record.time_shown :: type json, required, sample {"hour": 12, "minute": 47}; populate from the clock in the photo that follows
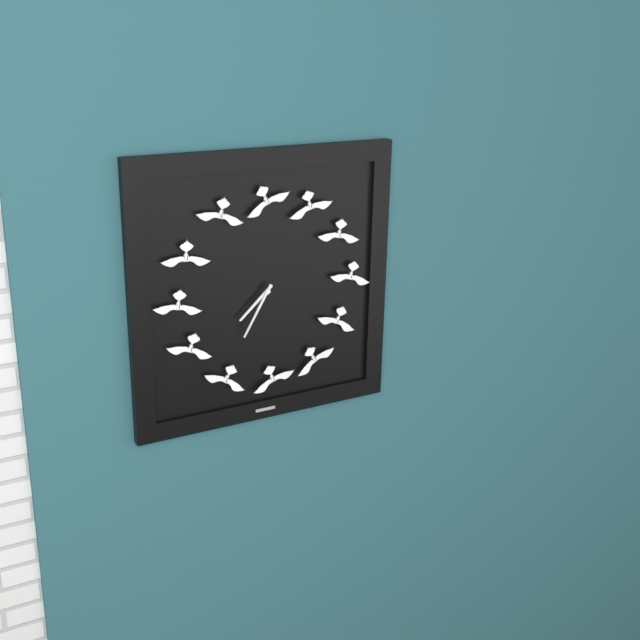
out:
{"hour": 7, "minute": 35}
